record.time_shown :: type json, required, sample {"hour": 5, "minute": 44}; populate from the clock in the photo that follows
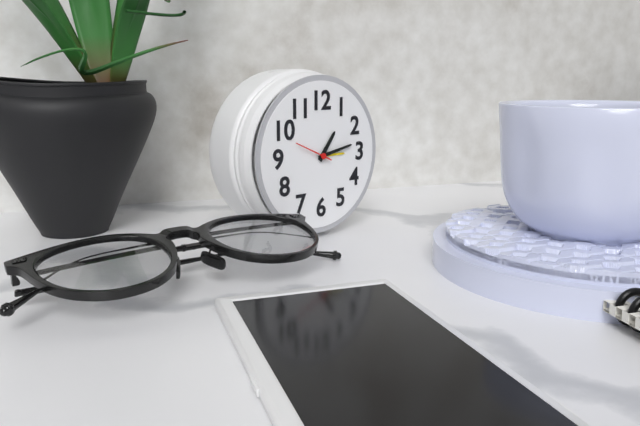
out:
{"hour": 1, "minute": 13}
